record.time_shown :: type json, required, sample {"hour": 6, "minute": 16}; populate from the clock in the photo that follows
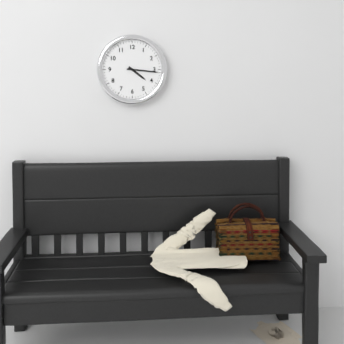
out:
{"hour": 4, "minute": 16}
